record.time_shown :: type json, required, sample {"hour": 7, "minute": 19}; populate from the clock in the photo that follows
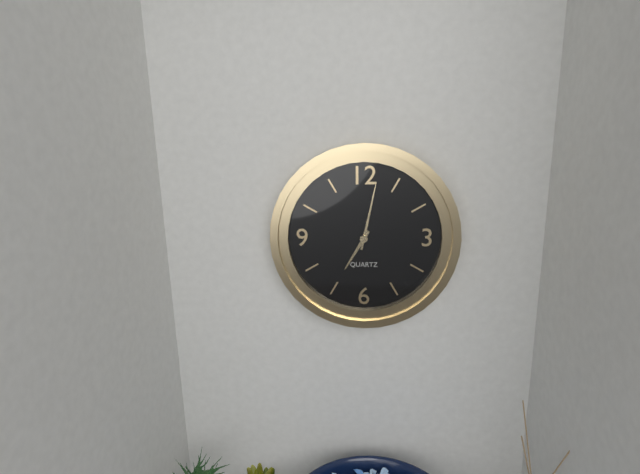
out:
{"hour": 7, "minute": 2}
